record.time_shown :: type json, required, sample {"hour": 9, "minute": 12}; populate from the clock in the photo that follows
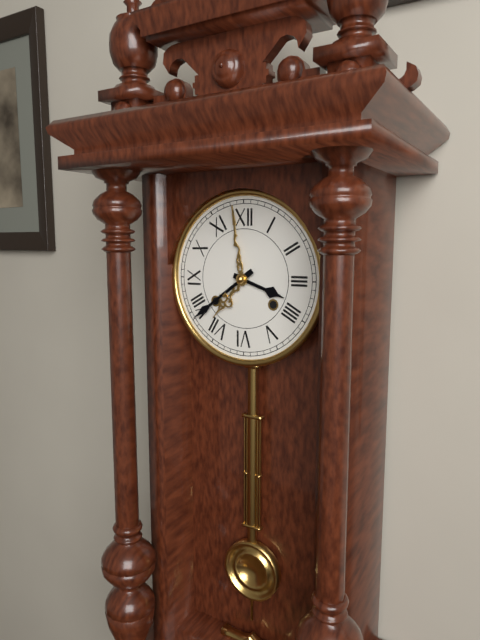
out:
{"hour": 3, "minute": 39}
